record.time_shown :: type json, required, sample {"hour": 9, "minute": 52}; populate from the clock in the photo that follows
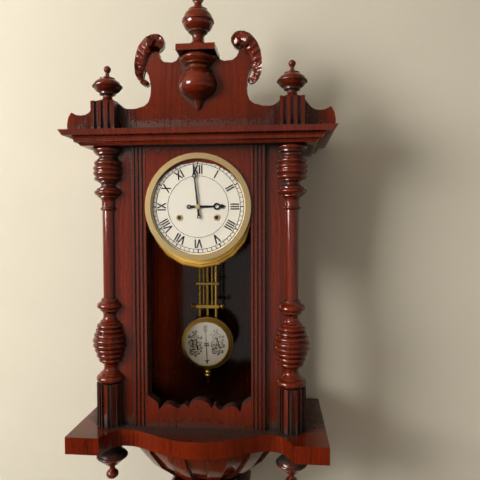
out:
{"hour": 2, "minute": 59}
